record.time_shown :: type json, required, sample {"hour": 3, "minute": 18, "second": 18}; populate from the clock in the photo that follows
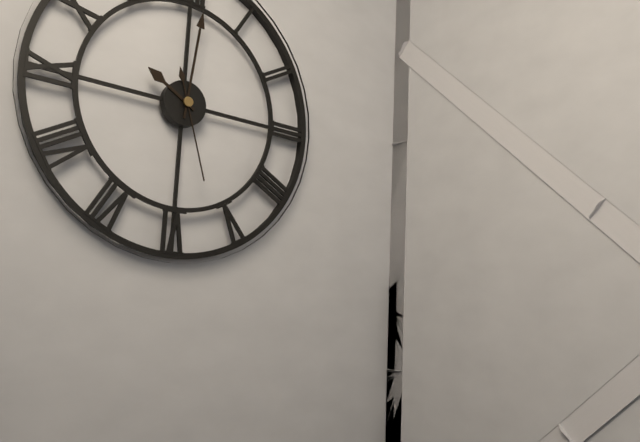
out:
{"hour": 10, "minute": 1, "second": 27}
